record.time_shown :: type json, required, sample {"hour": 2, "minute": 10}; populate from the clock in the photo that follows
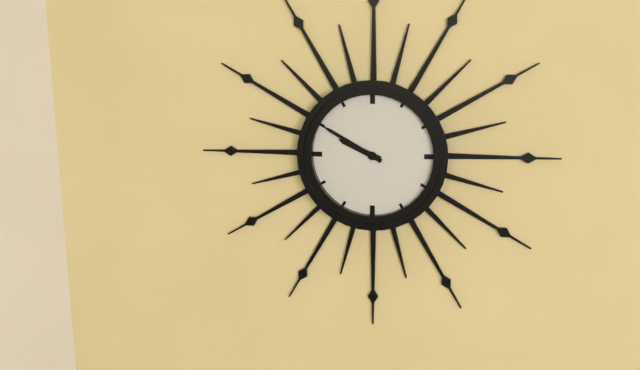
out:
{"hour": 9, "minute": 50}
